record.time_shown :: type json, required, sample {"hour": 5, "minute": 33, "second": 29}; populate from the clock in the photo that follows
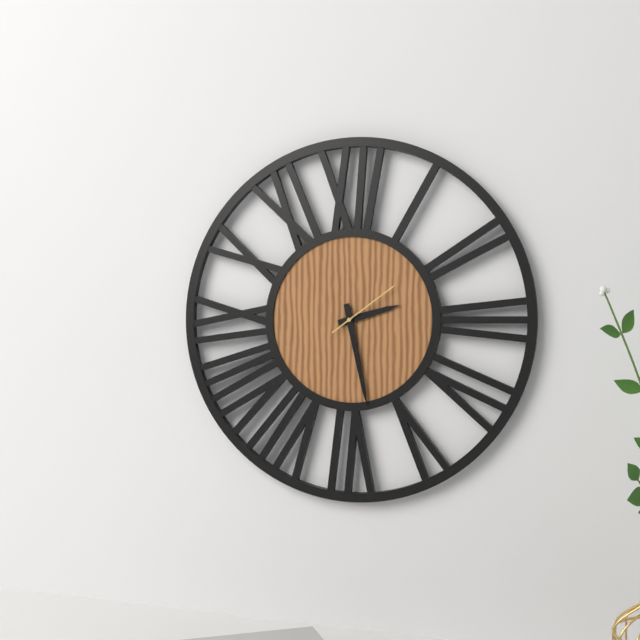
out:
{"hour": 2, "minute": 28, "second": 9}
